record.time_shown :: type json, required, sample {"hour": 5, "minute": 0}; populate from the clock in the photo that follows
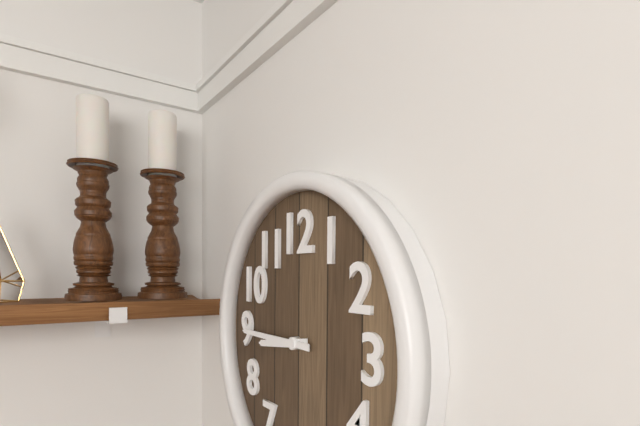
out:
{"hour": 8, "minute": 45}
